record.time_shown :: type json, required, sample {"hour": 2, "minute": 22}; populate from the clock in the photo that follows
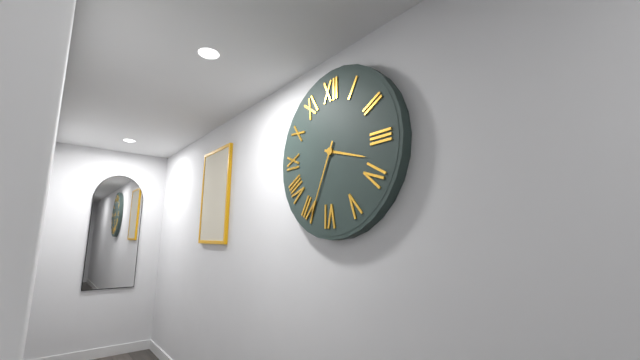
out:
{"hour": 3, "minute": 34}
